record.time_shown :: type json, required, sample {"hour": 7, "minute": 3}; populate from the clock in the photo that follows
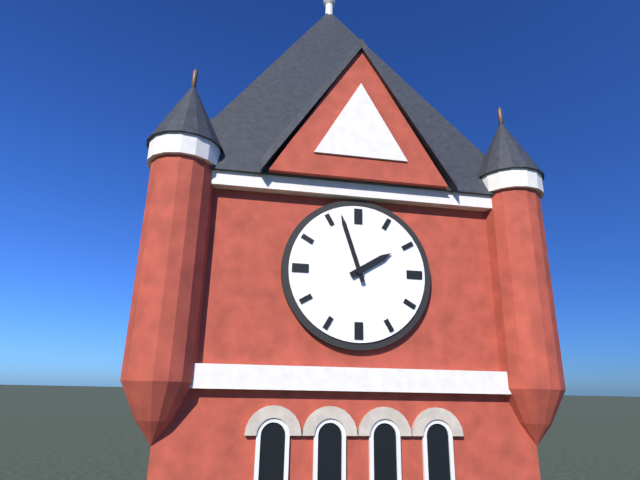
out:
{"hour": 1, "minute": 57}
